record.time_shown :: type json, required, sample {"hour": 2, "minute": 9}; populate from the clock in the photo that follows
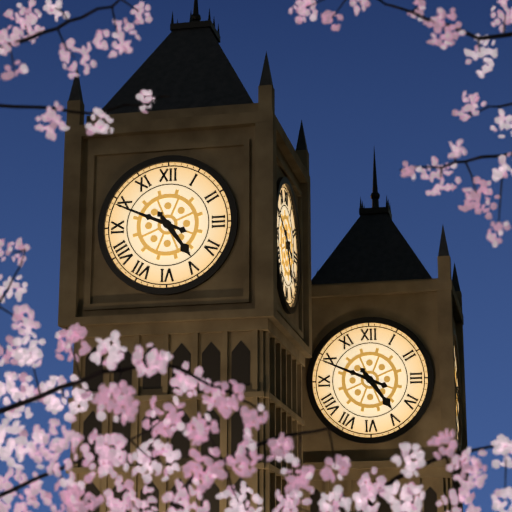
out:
{"hour": 4, "minute": 49}
